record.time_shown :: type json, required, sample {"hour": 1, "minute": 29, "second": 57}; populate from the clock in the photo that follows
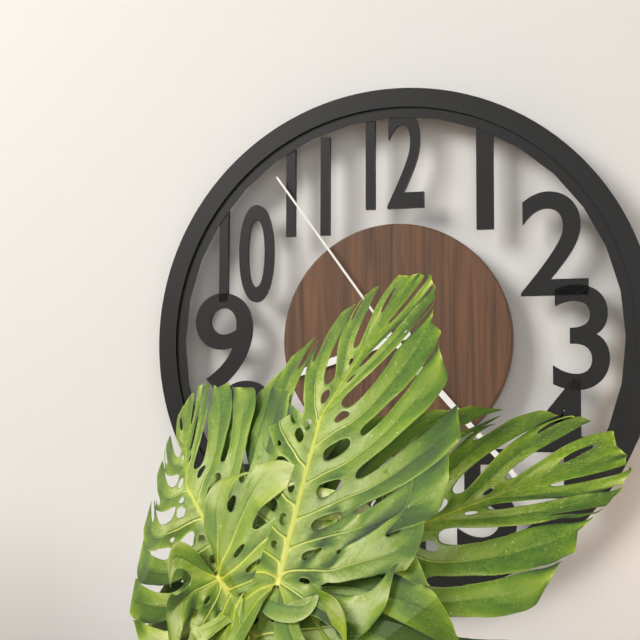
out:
{"hour": 8, "minute": 23, "second": 54}
